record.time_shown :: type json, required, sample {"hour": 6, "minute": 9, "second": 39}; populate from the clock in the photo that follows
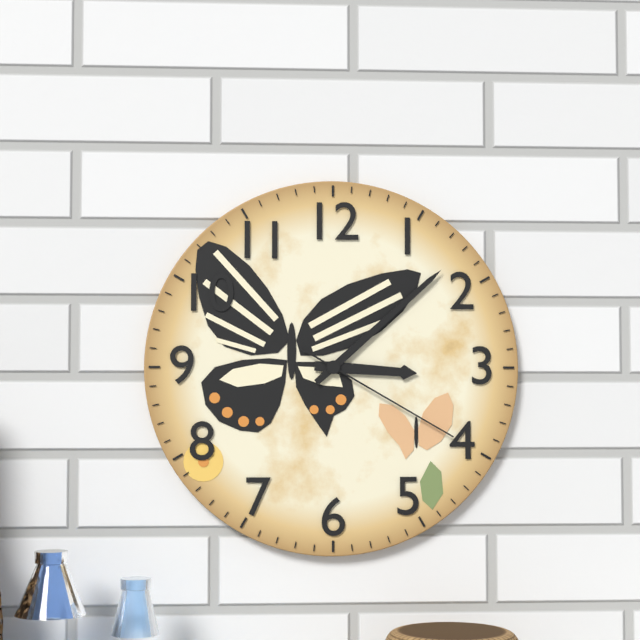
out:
{"hour": 3, "minute": 8, "second": 20}
